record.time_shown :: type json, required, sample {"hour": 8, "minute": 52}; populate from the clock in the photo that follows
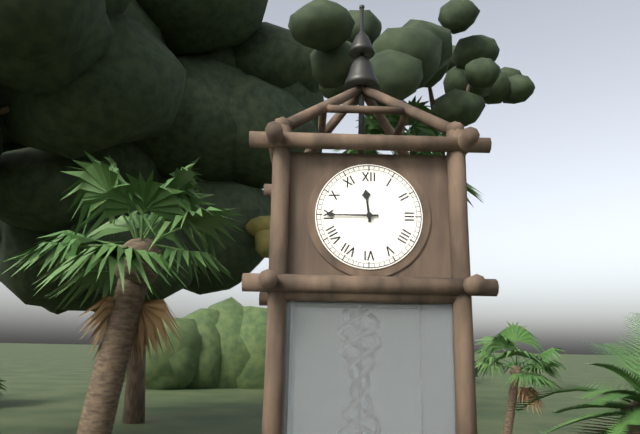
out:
{"hour": 11, "minute": 45}
